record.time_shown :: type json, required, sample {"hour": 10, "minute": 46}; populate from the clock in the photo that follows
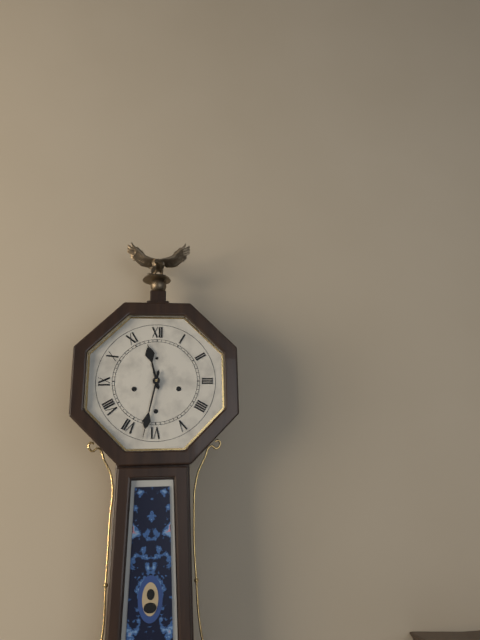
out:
{"hour": 11, "minute": 32}
